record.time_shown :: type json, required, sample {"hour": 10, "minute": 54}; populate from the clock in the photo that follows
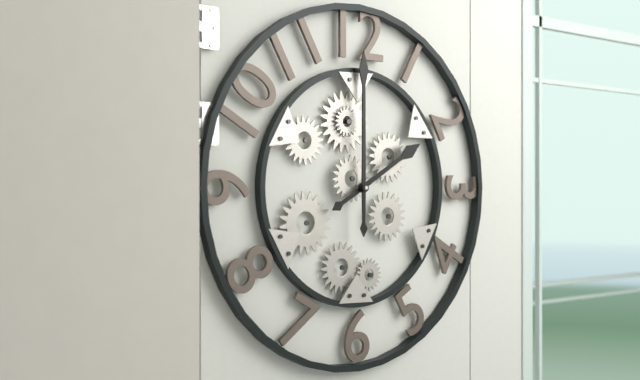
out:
{"hour": 2, "minute": 0}
